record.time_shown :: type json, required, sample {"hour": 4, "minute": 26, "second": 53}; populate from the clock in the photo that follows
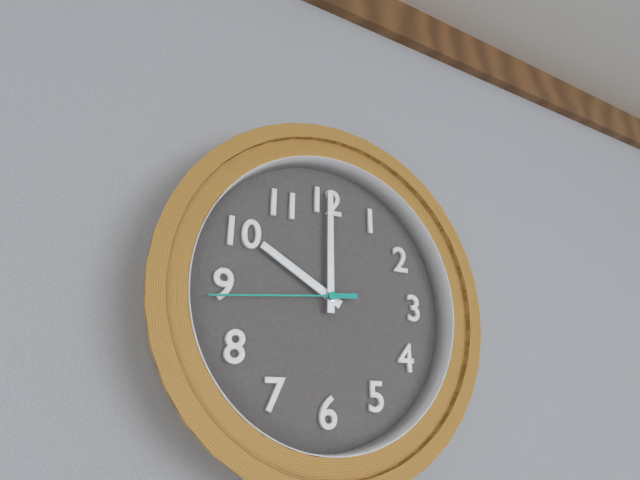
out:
{"hour": 10, "minute": 0, "second": 44}
